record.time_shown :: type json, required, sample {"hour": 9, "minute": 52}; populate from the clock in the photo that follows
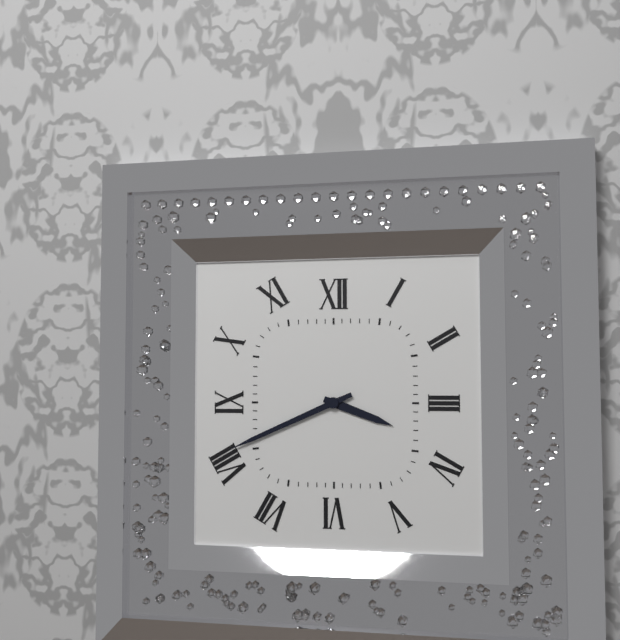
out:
{"hour": 3, "minute": 41}
